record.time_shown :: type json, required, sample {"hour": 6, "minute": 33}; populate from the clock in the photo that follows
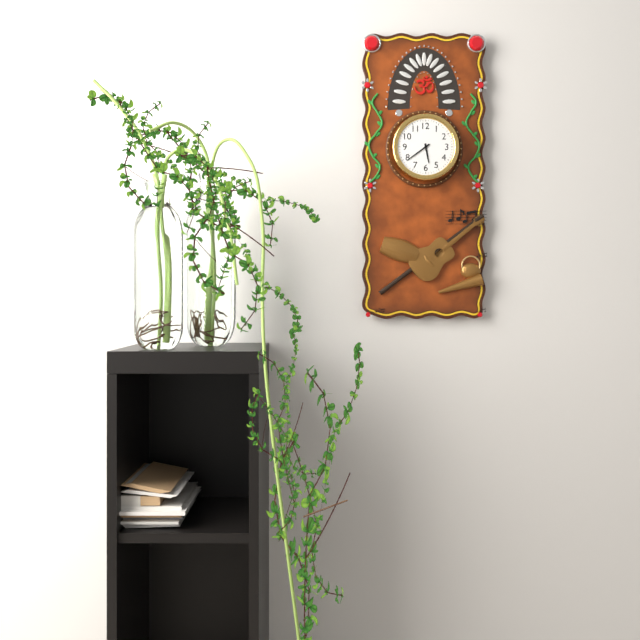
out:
{"hour": 5, "minute": 39}
